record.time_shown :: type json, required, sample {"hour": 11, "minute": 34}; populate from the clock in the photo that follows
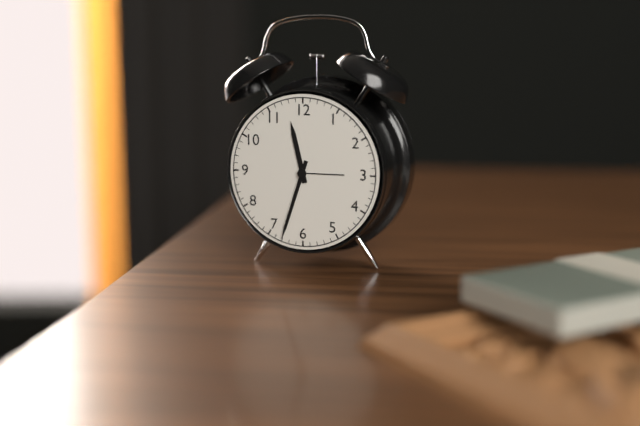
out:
{"hour": 11, "minute": 33}
